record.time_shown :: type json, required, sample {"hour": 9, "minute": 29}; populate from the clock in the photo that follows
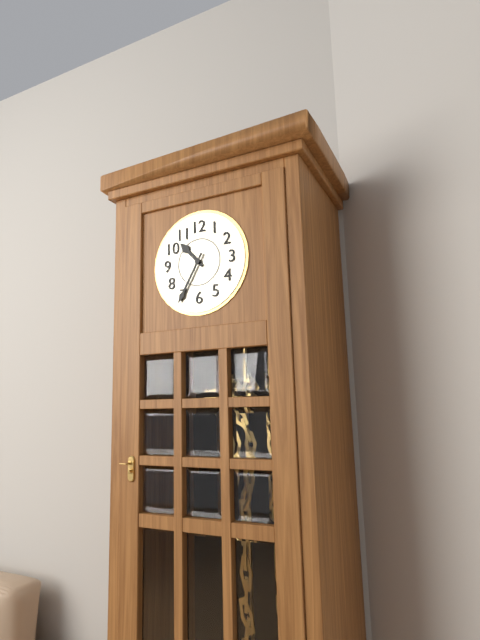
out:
{"hour": 10, "minute": 35}
